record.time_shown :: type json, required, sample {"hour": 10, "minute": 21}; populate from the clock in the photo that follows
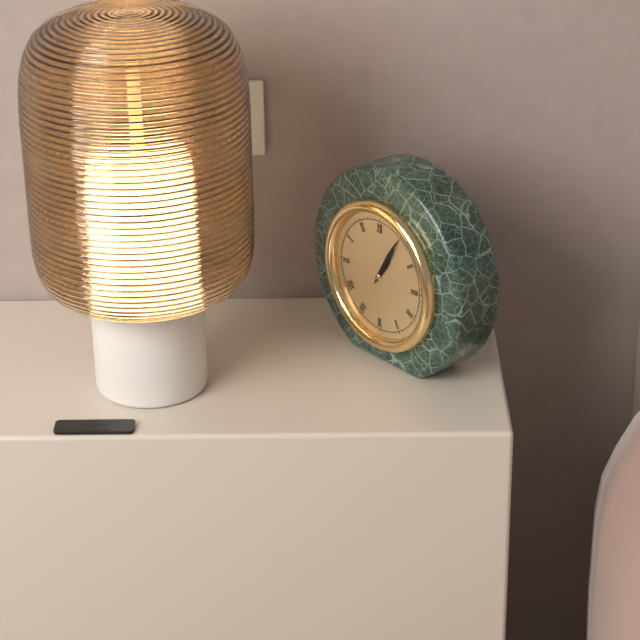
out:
{"hour": 1, "minute": 5}
